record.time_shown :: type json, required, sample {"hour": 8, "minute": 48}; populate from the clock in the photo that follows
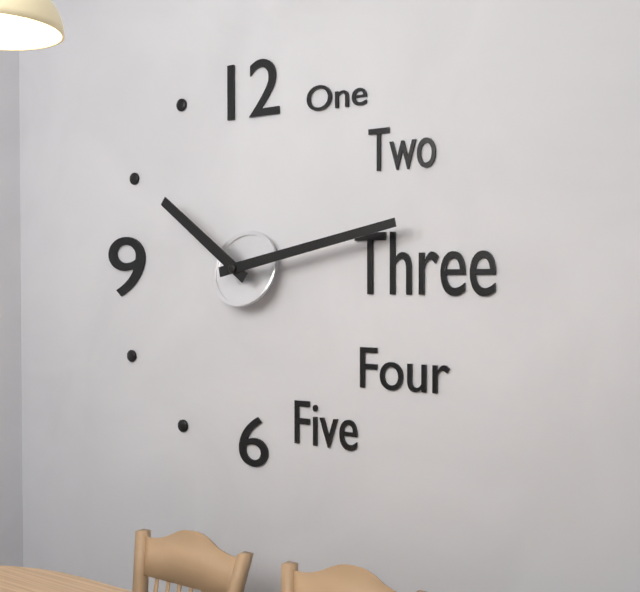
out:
{"hour": 10, "minute": 13}
